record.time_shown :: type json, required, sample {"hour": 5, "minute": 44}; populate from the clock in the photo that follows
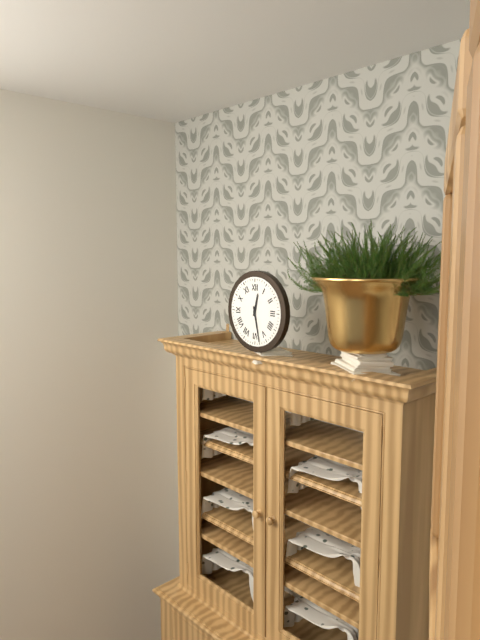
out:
{"hour": 12, "minute": 28}
